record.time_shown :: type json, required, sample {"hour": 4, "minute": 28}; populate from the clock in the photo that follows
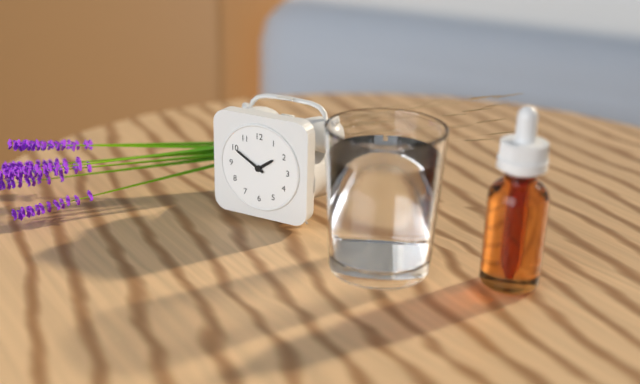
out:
{"hour": 1, "minute": 50}
